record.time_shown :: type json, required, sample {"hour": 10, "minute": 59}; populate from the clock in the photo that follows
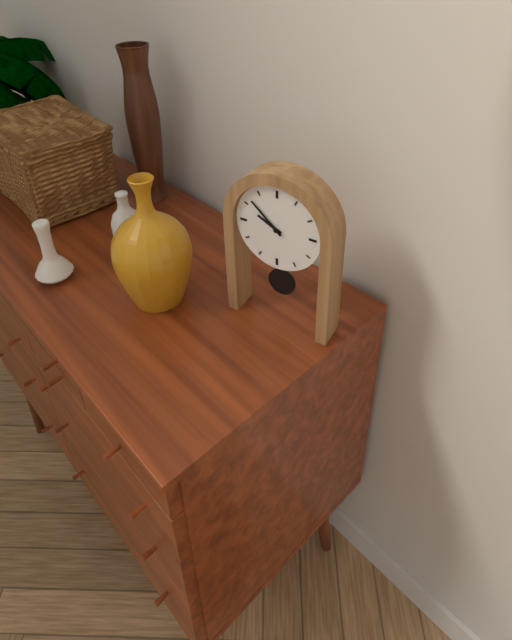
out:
{"hour": 9, "minute": 52}
